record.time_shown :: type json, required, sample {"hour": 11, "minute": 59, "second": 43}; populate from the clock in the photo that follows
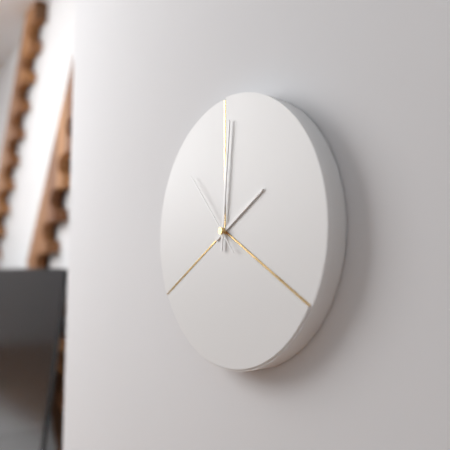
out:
{"hour": 2, "minute": 1, "second": 53}
